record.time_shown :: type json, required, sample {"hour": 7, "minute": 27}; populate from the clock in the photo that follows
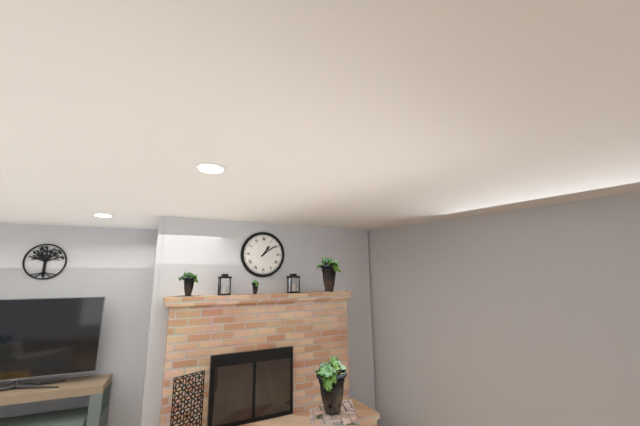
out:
{"hour": 1, "minute": 9}
